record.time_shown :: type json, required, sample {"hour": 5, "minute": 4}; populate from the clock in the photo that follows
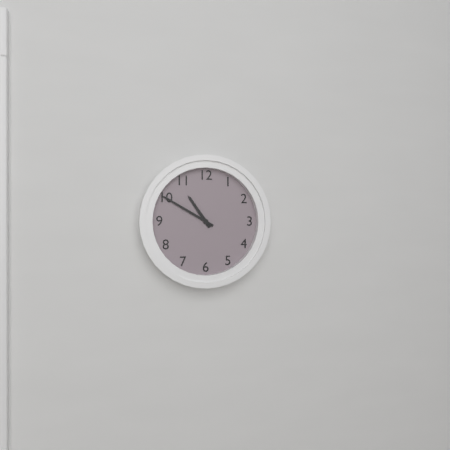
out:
{"hour": 10, "minute": 50}
